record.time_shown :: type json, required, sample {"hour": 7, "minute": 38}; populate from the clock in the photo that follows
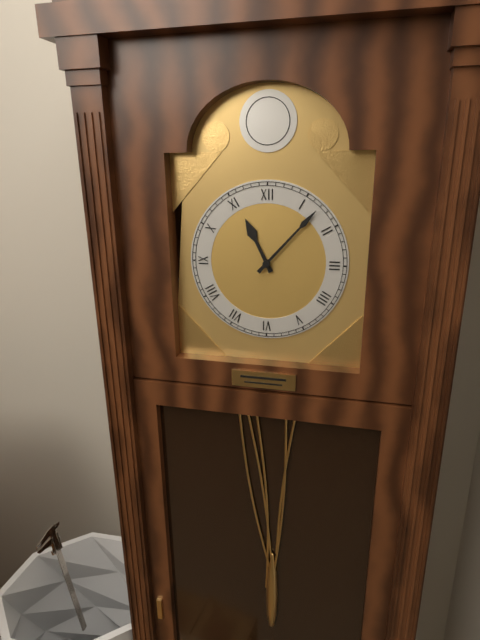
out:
{"hour": 11, "minute": 7}
